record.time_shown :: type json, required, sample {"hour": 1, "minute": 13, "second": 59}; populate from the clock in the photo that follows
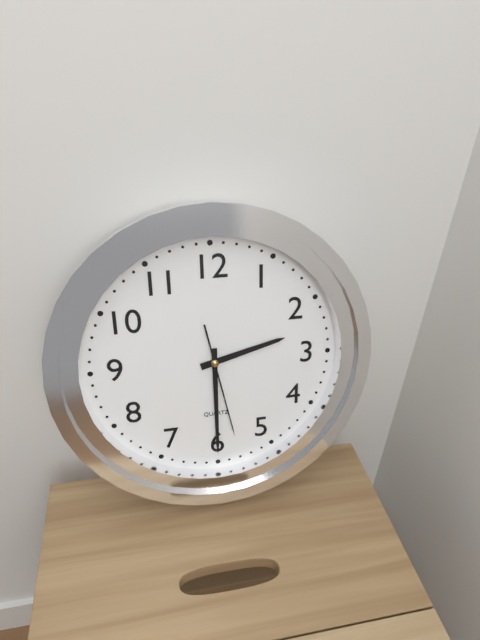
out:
{"hour": 2, "minute": 30, "second": 28}
